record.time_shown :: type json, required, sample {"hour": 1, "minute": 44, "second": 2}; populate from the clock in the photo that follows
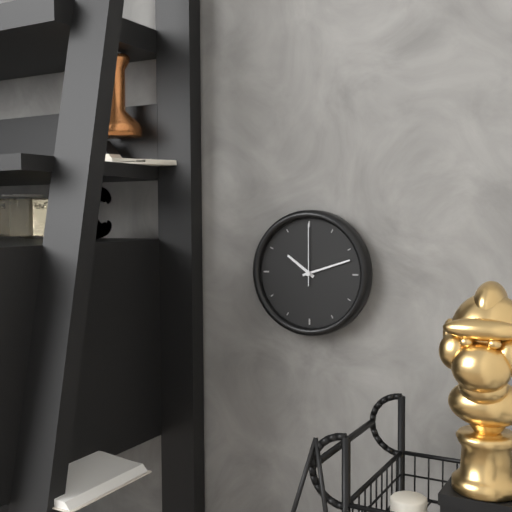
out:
{"hour": 10, "minute": 12, "second": 0}
